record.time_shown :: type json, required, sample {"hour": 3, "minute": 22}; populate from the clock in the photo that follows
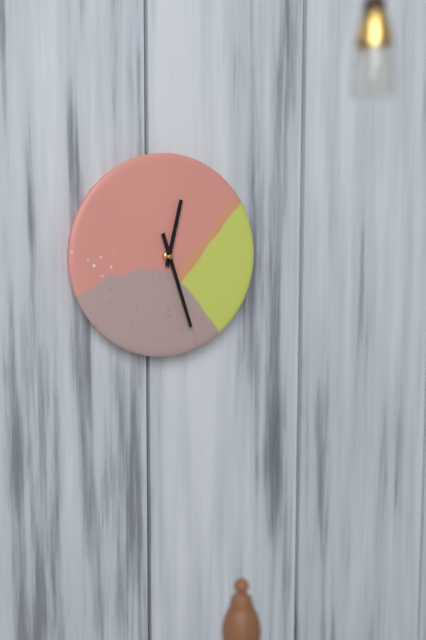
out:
{"hour": 12, "minute": 27}
